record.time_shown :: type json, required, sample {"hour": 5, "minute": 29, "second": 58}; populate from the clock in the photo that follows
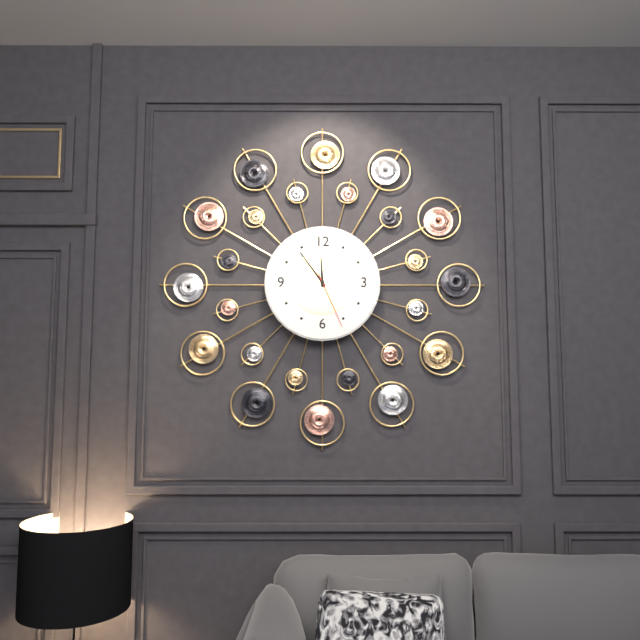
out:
{"hour": 11, "minute": 54, "second": 26}
